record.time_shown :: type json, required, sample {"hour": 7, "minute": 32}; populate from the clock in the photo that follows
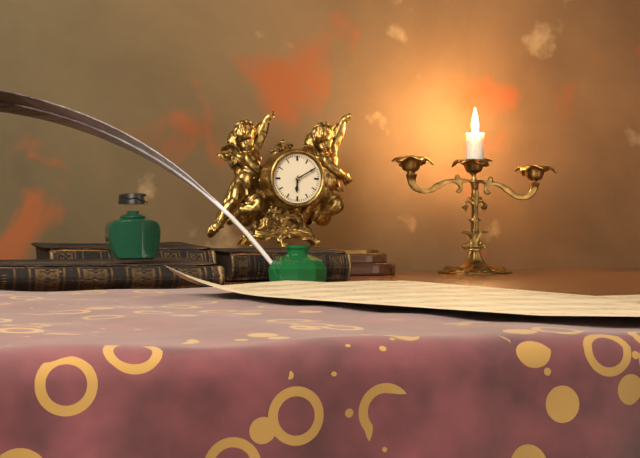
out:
{"hour": 6, "minute": 10}
